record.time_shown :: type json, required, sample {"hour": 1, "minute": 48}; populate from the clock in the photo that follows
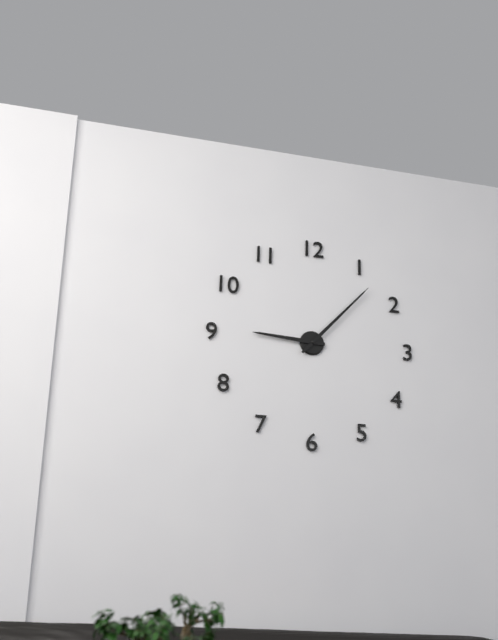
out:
{"hour": 9, "minute": 7}
